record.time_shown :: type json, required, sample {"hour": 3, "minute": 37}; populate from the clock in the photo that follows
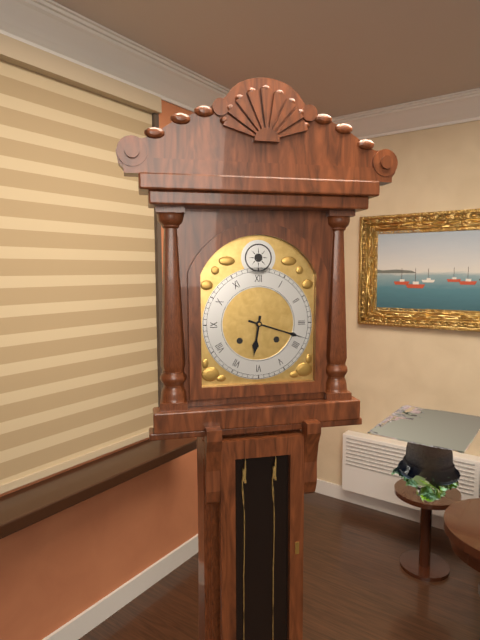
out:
{"hour": 6, "minute": 18}
